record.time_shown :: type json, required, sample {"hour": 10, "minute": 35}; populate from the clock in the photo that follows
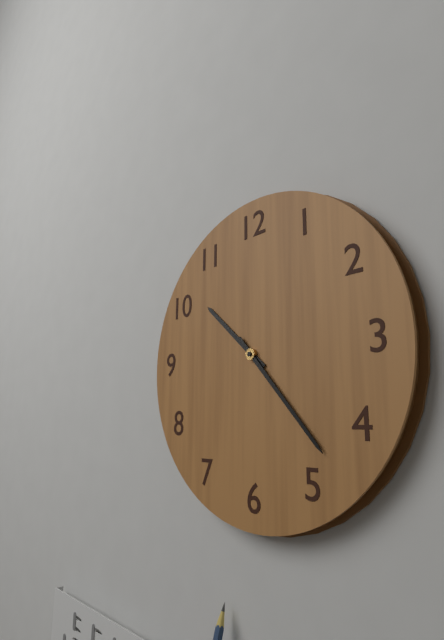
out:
{"hour": 10, "minute": 23}
